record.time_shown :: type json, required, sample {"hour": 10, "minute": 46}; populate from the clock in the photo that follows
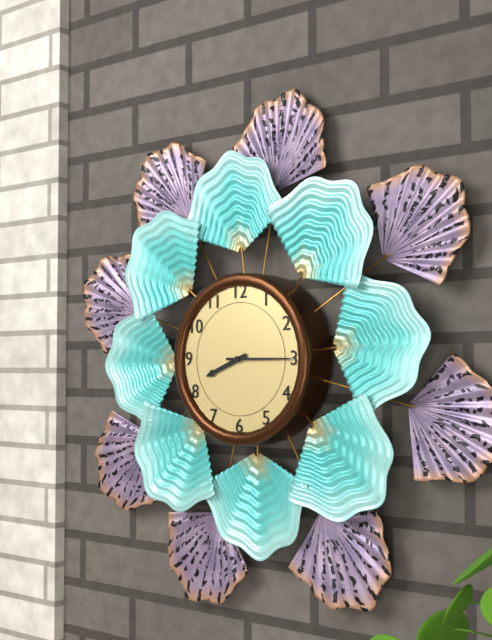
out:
{"hour": 8, "minute": 15}
